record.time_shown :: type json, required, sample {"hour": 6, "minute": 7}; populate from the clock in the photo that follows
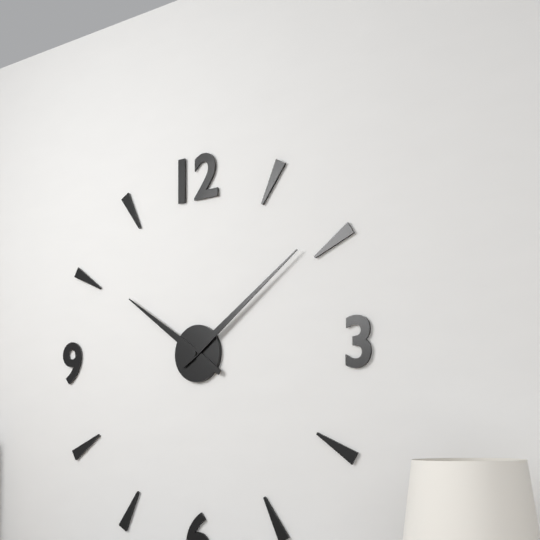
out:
{"hour": 10, "minute": 9}
